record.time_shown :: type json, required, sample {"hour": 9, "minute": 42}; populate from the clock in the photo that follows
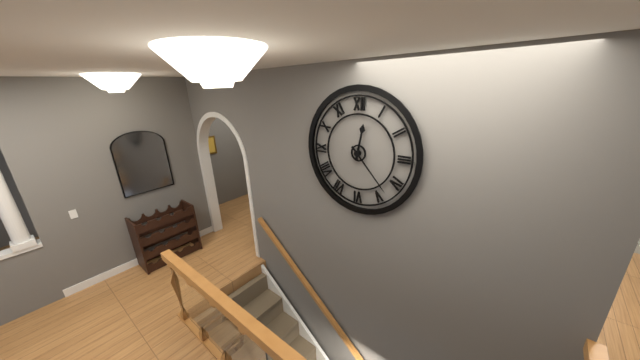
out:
{"hour": 12, "minute": 23}
